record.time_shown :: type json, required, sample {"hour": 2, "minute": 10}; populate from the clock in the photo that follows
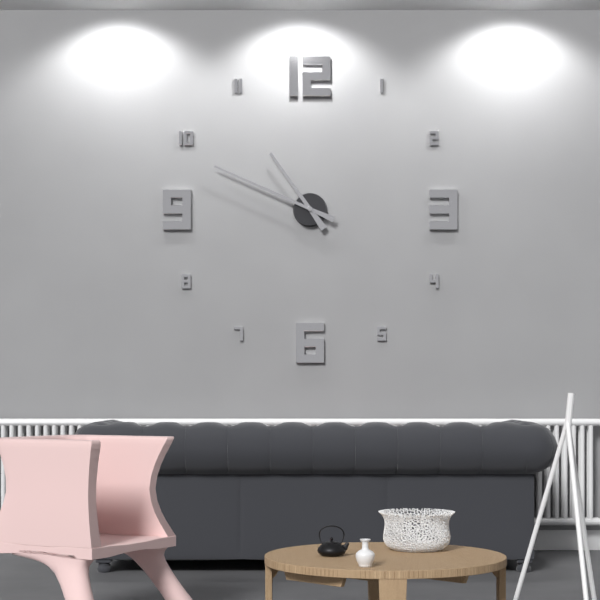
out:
{"hour": 10, "minute": 49}
